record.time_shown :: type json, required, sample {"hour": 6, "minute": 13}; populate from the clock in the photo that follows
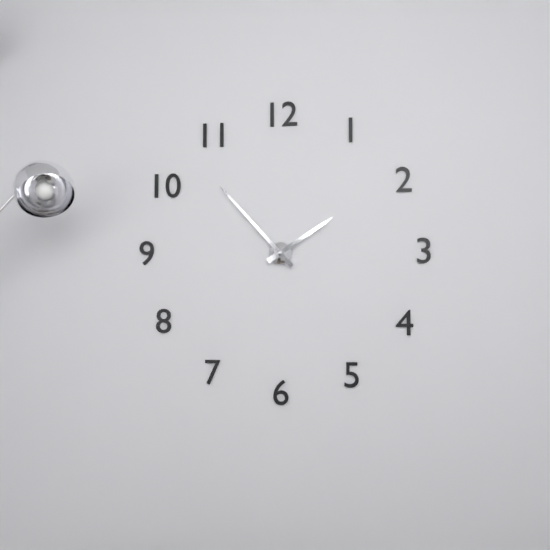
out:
{"hour": 1, "minute": 53}
